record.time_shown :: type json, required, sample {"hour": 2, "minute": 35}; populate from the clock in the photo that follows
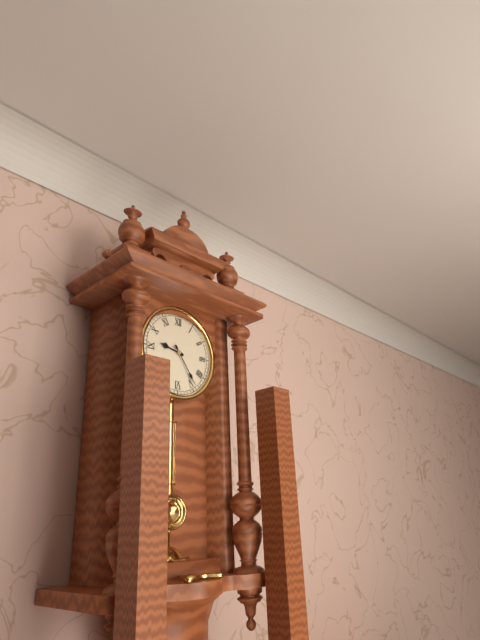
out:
{"hour": 9, "minute": 24}
